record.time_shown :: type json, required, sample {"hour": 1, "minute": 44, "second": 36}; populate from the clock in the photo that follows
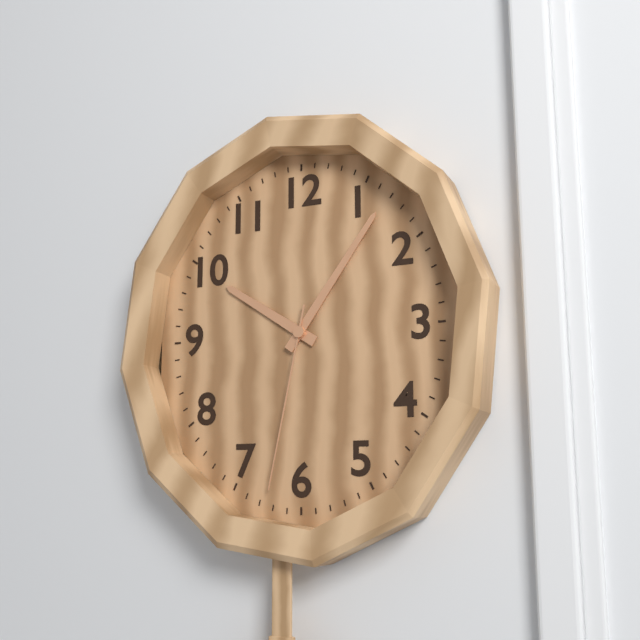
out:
{"hour": 10, "minute": 6, "second": 32}
